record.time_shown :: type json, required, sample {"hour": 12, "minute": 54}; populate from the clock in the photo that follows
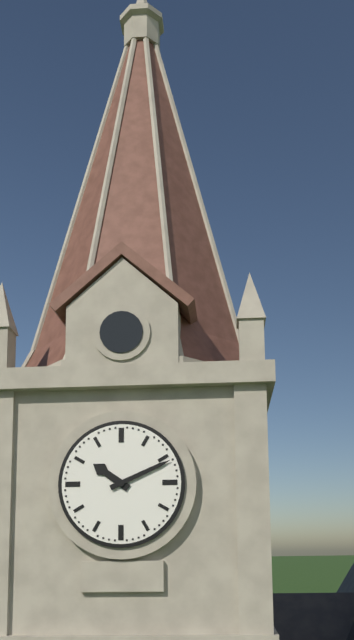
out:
{"hour": 10, "minute": 11}
